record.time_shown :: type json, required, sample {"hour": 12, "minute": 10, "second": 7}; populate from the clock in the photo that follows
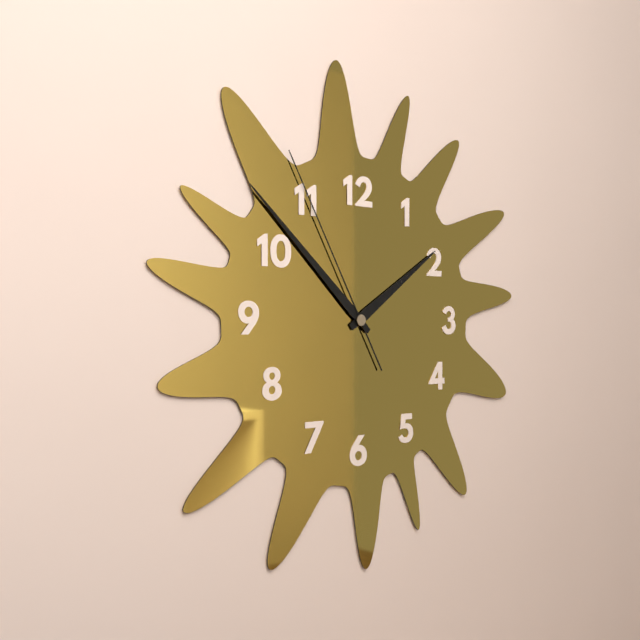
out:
{"hour": 1, "minute": 52, "second": 55}
